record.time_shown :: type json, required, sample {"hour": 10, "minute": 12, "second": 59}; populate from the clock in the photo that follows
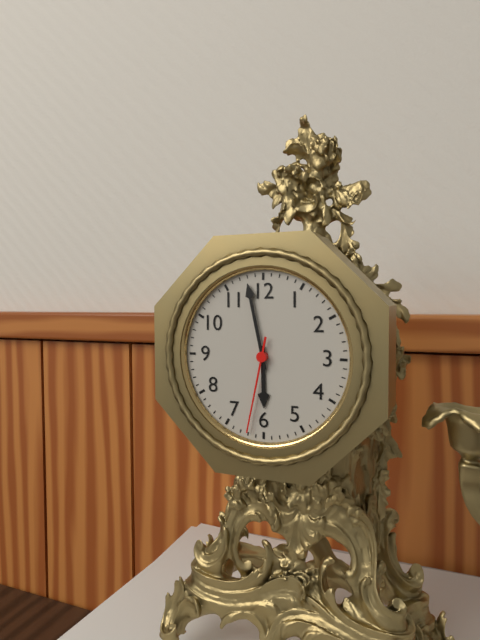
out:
{"hour": 5, "minute": 58, "second": 32}
